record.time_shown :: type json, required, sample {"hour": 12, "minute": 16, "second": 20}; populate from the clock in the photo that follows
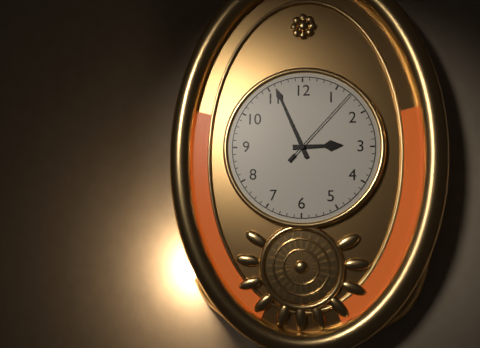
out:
{"hour": 2, "minute": 56, "second": 7}
